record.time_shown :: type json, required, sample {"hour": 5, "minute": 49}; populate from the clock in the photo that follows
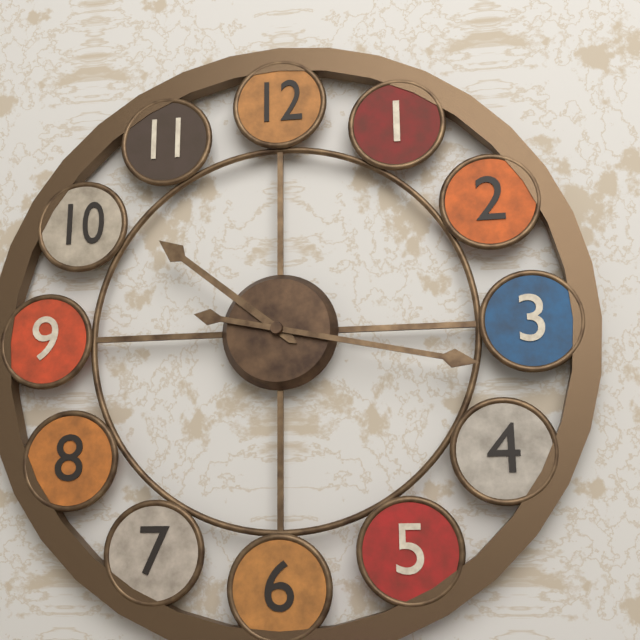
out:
{"hour": 10, "minute": 17}
